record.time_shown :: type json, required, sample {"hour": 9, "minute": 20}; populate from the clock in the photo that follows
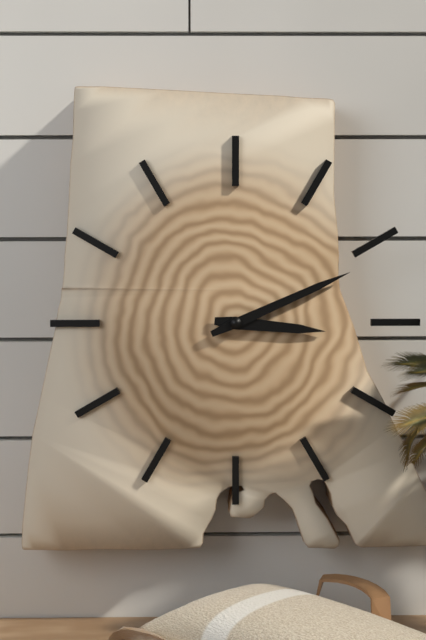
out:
{"hour": 3, "minute": 11}
